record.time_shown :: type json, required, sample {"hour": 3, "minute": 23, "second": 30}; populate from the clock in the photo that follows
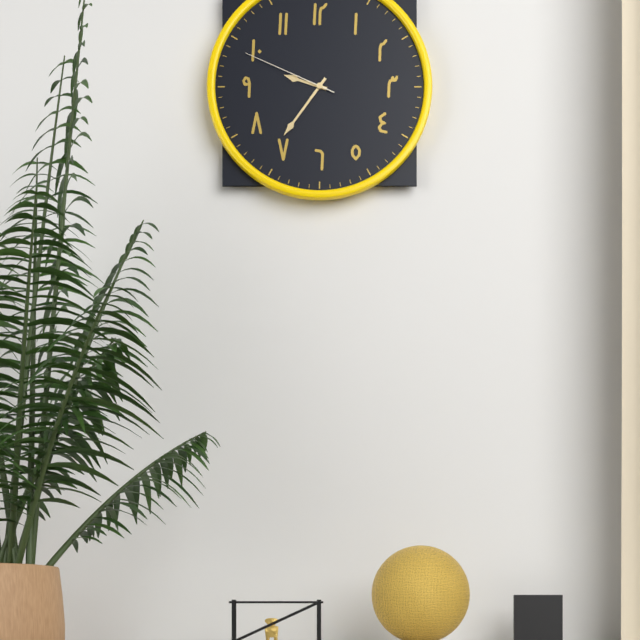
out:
{"hour": 9, "minute": 36, "second": 49}
